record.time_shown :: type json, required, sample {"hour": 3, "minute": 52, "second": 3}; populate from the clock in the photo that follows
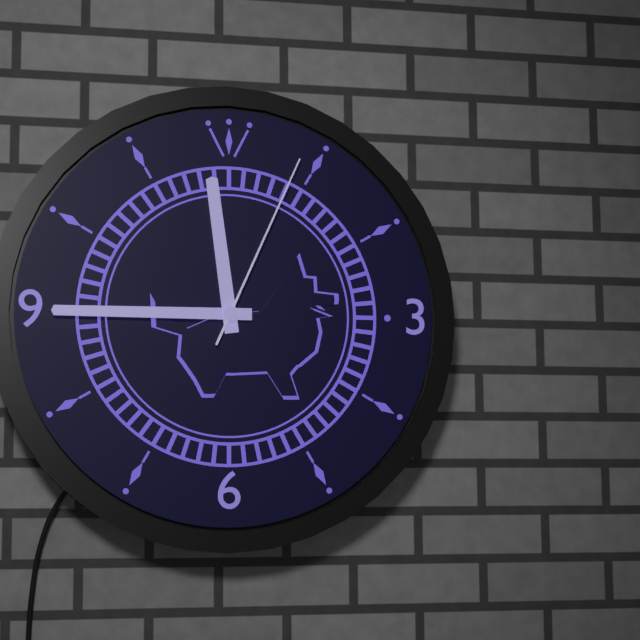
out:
{"hour": 11, "minute": 45, "second": 4}
